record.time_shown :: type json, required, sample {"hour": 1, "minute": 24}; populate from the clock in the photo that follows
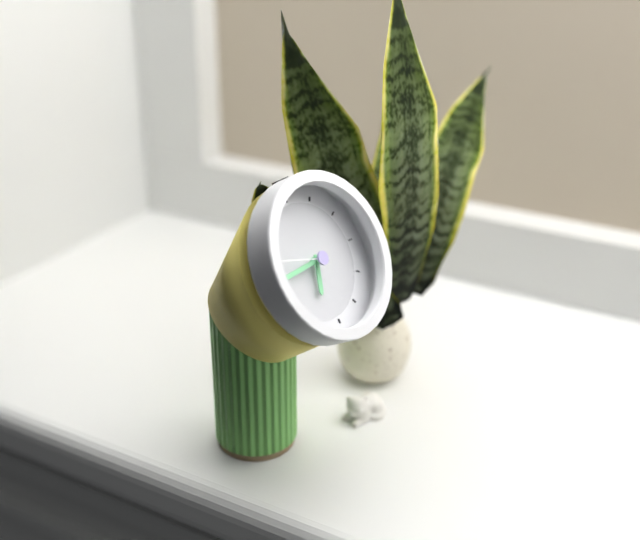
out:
{"hour": 6, "minute": 45}
